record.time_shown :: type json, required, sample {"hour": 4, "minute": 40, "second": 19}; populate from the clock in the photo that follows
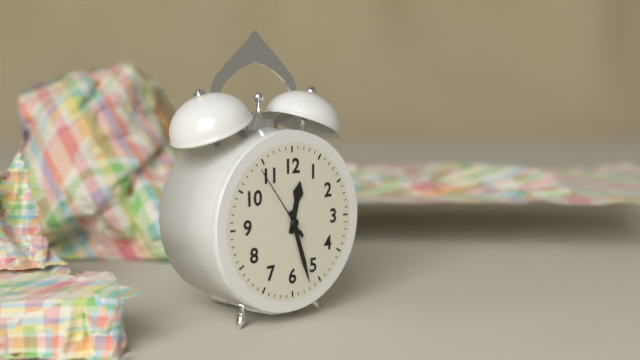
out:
{"hour": 12, "minute": 27, "second": 54}
